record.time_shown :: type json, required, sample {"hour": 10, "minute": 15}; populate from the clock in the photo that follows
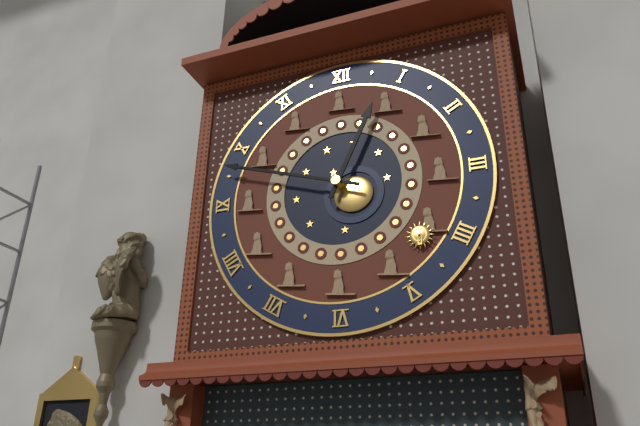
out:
{"hour": 12, "minute": 48}
